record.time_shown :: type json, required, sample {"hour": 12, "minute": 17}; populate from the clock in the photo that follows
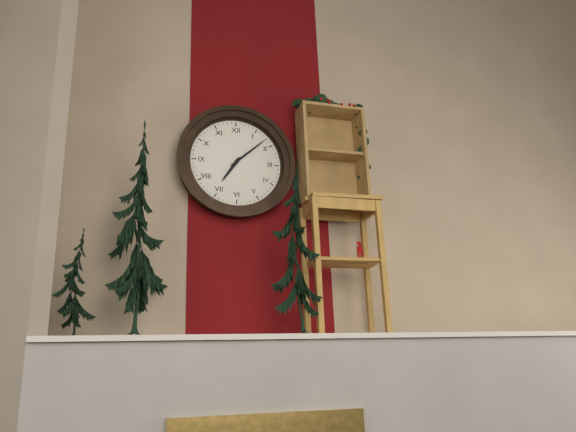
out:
{"hour": 7, "minute": 8}
